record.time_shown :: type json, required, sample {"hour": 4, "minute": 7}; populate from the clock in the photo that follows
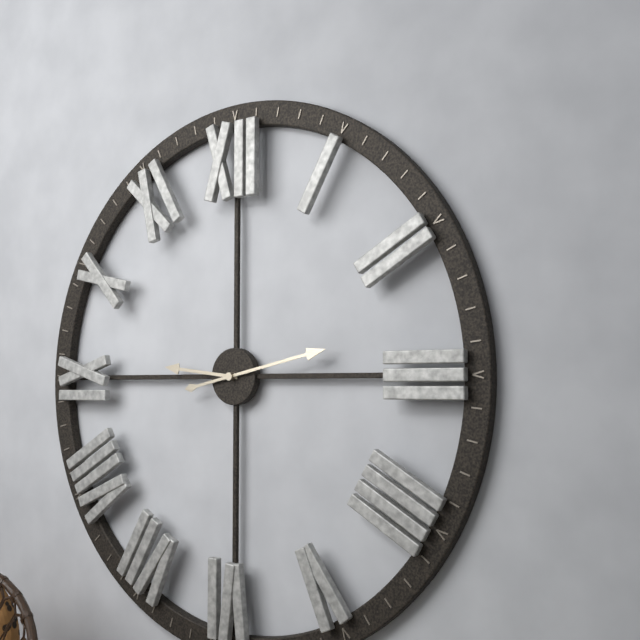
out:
{"hour": 9, "minute": 13}
